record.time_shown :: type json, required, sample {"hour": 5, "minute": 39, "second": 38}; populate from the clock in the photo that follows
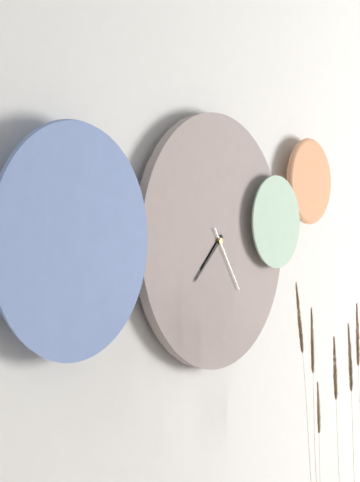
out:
{"hour": 7, "minute": 38, "second": 24}
